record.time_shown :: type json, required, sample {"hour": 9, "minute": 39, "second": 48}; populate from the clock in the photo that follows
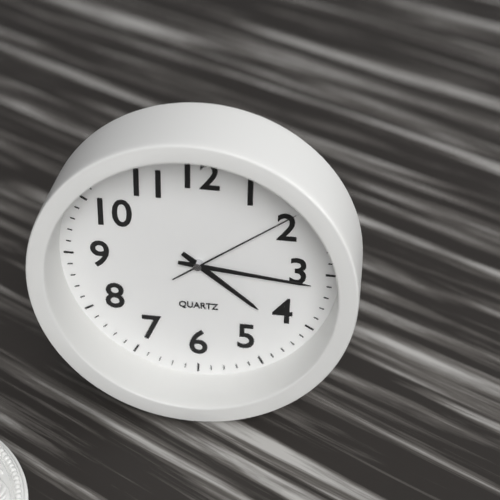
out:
{"hour": 4, "minute": 16, "second": 9}
